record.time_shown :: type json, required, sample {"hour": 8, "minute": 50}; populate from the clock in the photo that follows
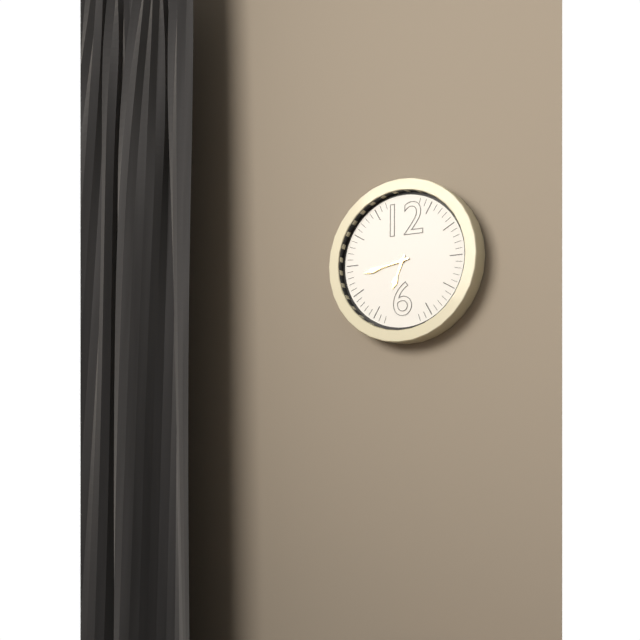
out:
{"hour": 6, "minute": 43}
